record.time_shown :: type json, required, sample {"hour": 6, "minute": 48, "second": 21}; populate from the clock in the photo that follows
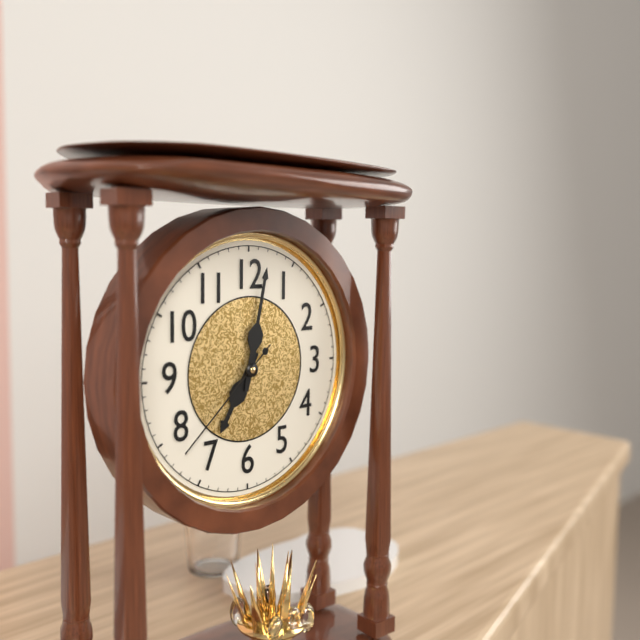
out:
{"hour": 7, "minute": 2, "second": 38}
